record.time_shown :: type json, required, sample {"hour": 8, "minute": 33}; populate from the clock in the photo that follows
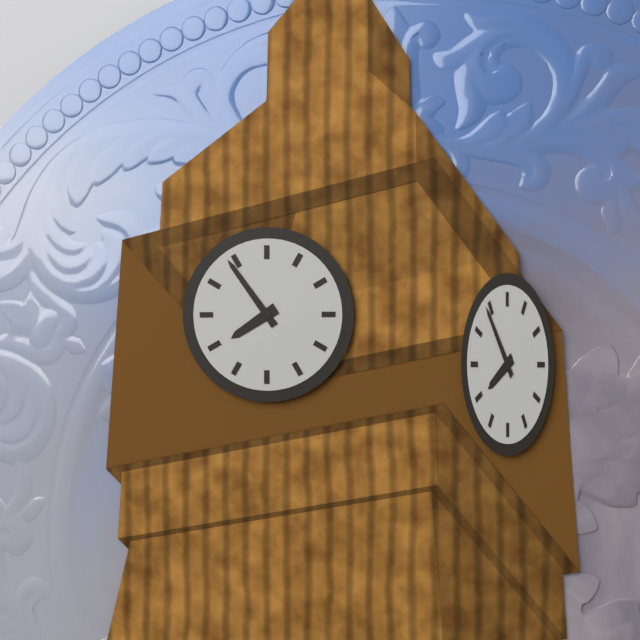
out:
{"hour": 7, "minute": 54}
